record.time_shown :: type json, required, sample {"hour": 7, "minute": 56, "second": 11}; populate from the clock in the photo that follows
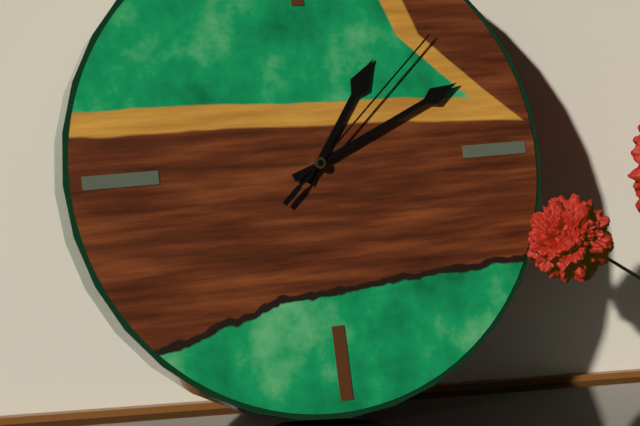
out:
{"hour": 1, "minute": 11, "second": 8}
